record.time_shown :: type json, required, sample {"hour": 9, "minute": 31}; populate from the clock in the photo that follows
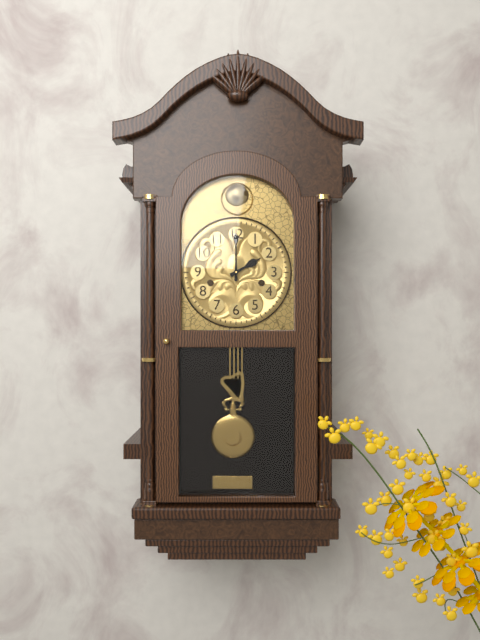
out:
{"hour": 2, "minute": 0}
